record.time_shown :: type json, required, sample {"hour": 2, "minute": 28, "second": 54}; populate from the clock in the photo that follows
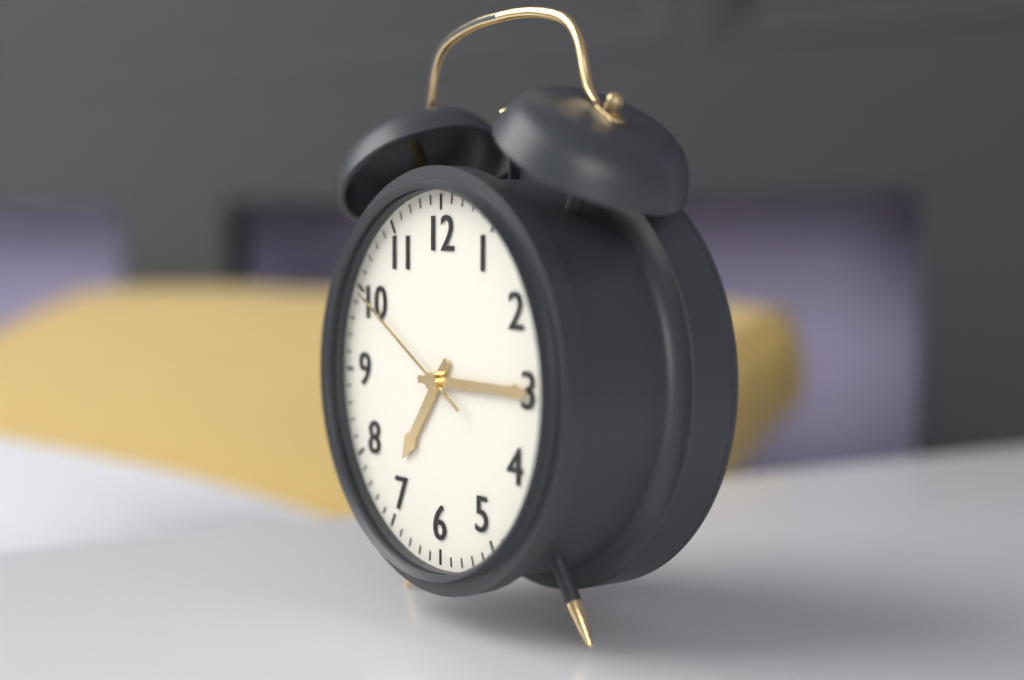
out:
{"hour": 7, "minute": 15, "second": 50}
